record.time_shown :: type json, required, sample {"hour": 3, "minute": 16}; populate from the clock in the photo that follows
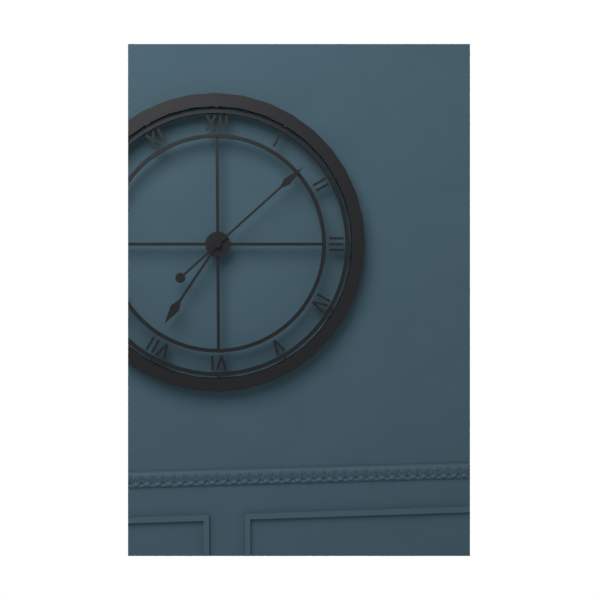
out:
{"hour": 7, "minute": 8}
